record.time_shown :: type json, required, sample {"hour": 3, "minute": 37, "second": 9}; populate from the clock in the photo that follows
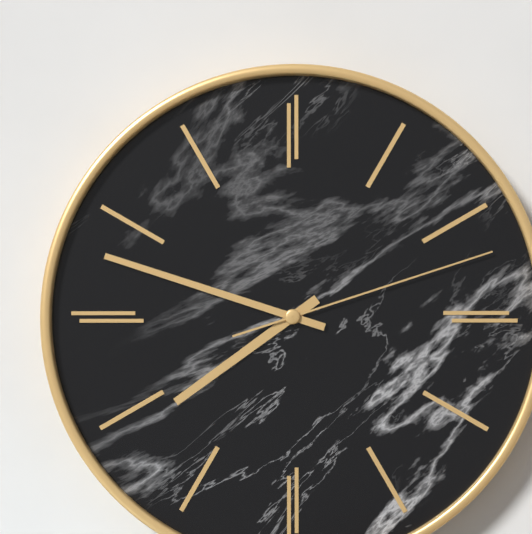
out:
{"hour": 7, "minute": 48, "second": 12}
